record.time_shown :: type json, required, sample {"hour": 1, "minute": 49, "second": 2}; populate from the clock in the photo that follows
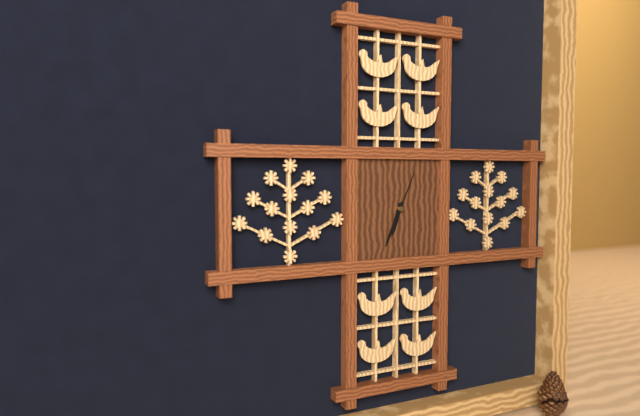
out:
{"hour": 6, "minute": 34, "second": 4}
